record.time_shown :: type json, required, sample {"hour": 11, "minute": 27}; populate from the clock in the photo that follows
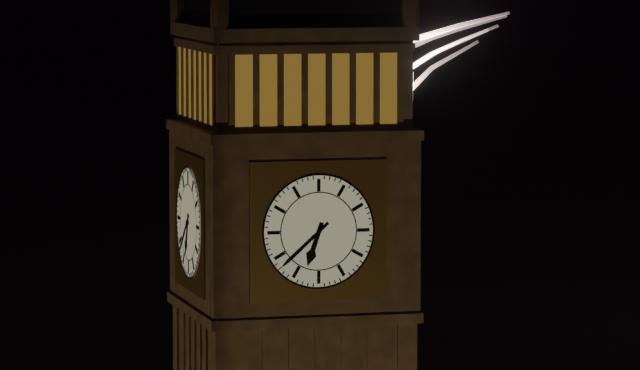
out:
{"hour": 6, "minute": 38}
